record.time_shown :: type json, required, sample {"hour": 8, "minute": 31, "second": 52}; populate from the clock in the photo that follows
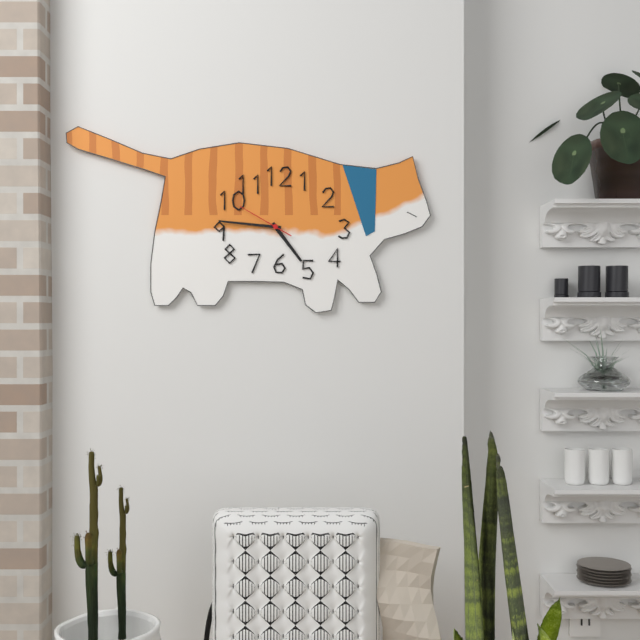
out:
{"hour": 4, "minute": 46, "second": 50}
